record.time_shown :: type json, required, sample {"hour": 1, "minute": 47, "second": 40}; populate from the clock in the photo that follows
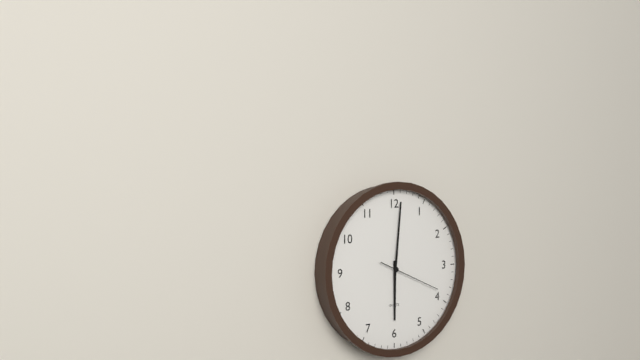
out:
{"hour": 6, "minute": 1, "second": 19}
